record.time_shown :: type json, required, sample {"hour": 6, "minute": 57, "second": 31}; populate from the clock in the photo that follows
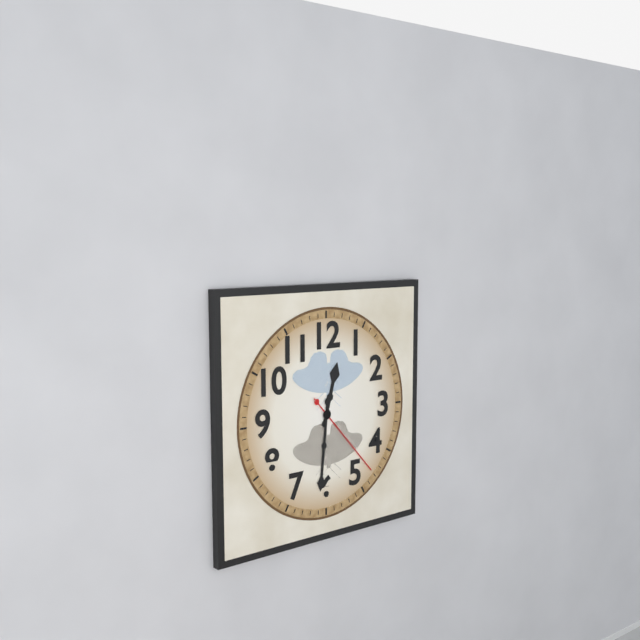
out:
{"hour": 12, "minute": 31, "second": 23}
